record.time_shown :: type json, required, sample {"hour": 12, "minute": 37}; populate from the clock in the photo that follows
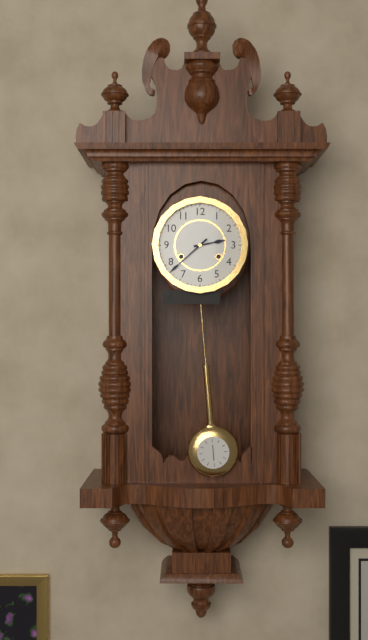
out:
{"hour": 2, "minute": 38}
